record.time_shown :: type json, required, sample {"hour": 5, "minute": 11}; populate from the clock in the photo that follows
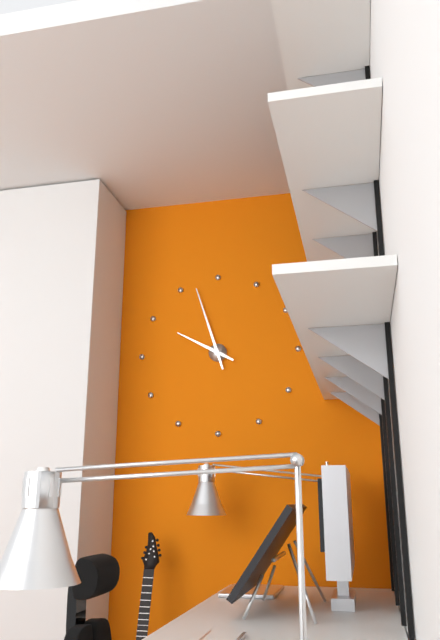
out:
{"hour": 9, "minute": 57}
